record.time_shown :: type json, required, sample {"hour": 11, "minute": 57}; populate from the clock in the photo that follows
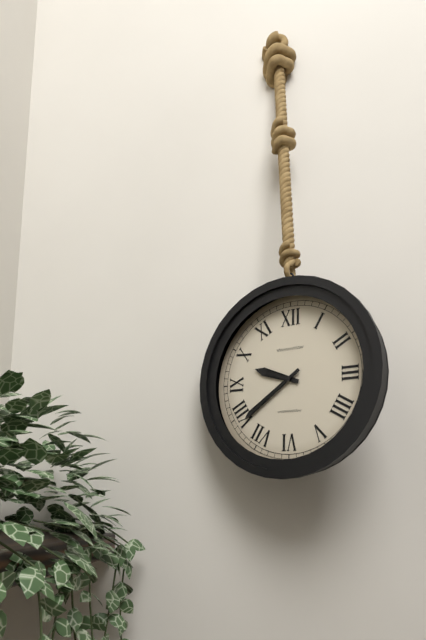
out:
{"hour": 9, "minute": 39}
